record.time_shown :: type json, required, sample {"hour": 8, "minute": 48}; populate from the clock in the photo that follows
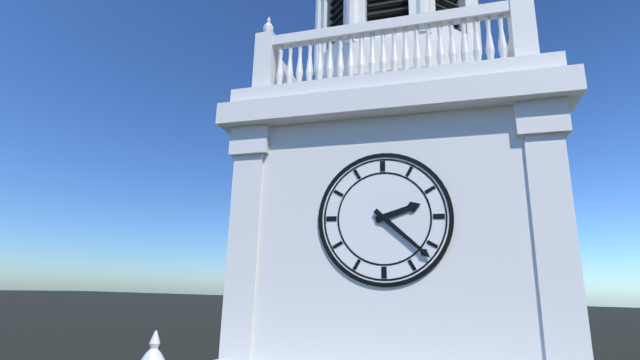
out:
{"hour": 2, "minute": 22}
